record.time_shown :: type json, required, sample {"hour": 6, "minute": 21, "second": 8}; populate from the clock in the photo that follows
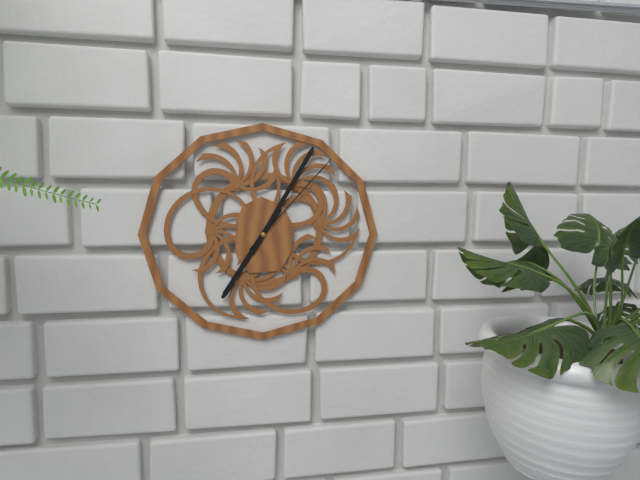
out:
{"hour": 7, "minute": 5, "second": 7}
